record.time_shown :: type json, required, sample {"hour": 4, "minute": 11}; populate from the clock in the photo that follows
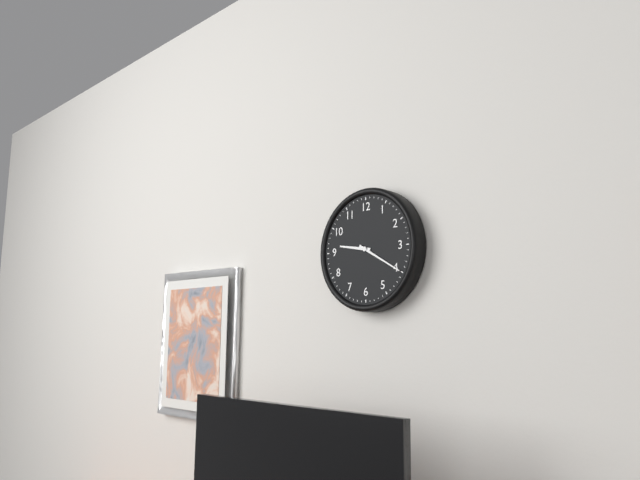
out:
{"hour": 9, "minute": 20}
